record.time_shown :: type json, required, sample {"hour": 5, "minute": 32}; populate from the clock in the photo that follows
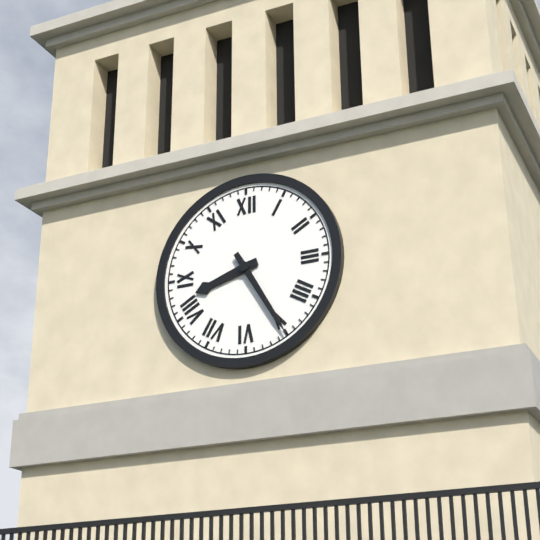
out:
{"hour": 8, "minute": 25}
